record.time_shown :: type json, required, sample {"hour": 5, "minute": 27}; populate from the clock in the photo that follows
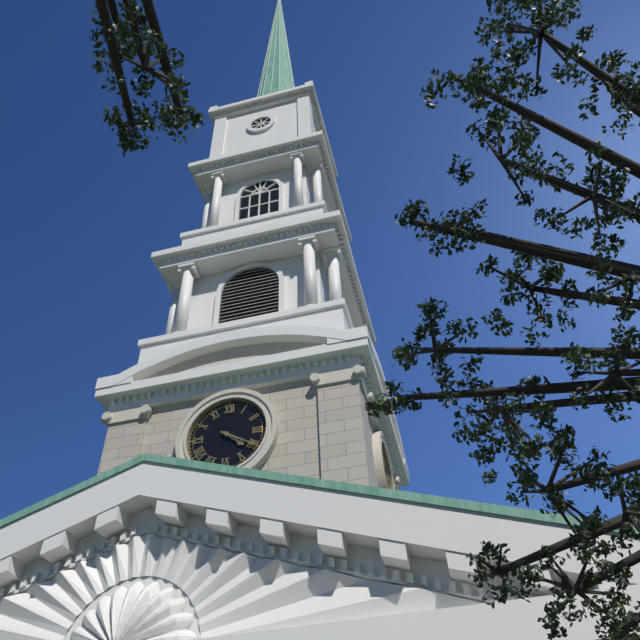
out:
{"hour": 4, "minute": 20}
